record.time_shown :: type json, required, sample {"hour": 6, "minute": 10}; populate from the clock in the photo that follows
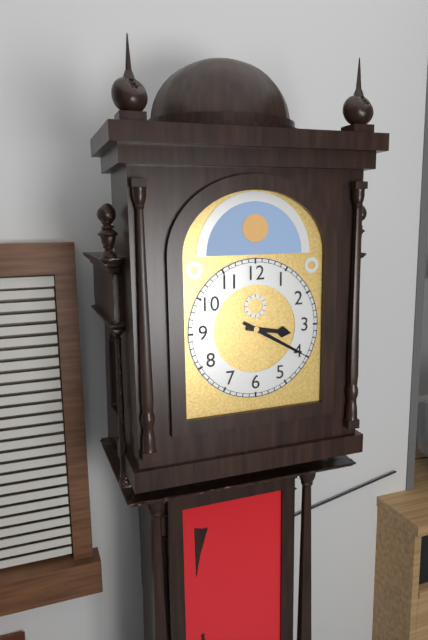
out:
{"hour": 3, "minute": 20}
